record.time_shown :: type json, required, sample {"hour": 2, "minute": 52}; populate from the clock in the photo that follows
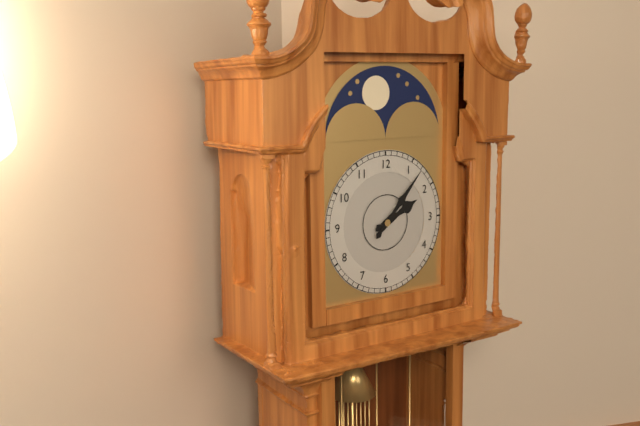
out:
{"hour": 2, "minute": 7}
